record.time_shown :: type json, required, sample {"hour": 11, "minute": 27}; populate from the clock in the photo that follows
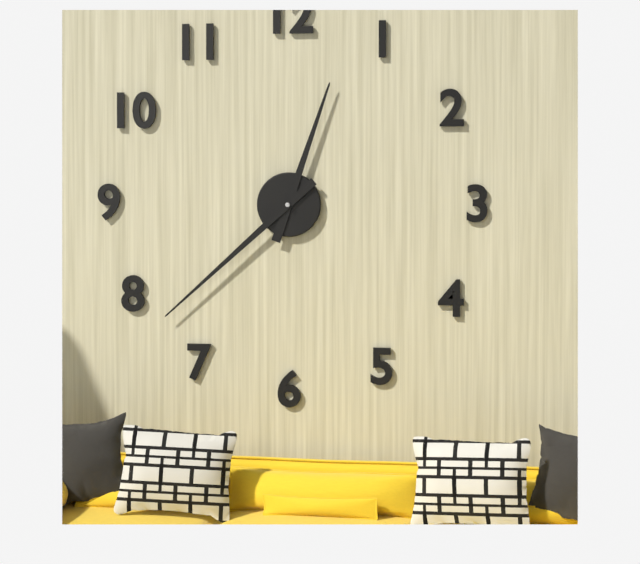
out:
{"hour": 12, "minute": 38}
